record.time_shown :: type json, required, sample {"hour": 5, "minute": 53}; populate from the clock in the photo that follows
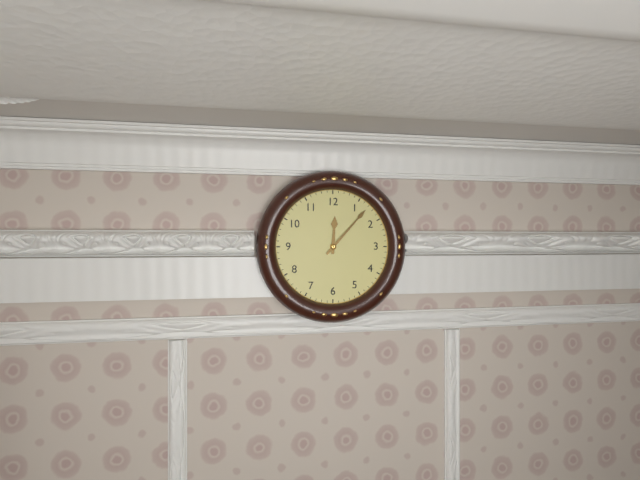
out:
{"hour": 12, "minute": 7}
